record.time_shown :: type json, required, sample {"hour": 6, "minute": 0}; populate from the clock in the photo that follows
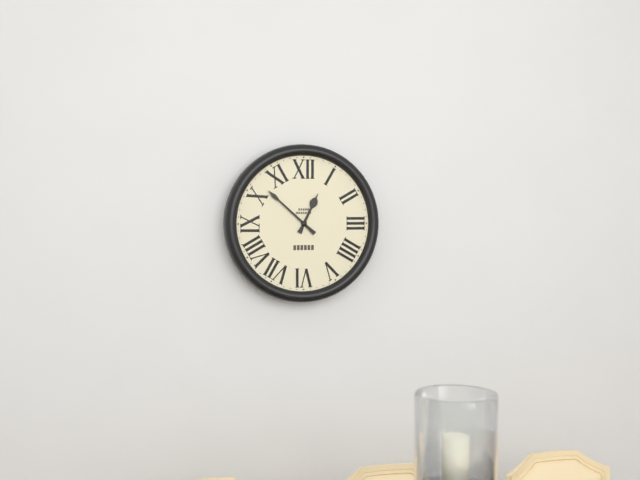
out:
{"hour": 12, "minute": 52}
